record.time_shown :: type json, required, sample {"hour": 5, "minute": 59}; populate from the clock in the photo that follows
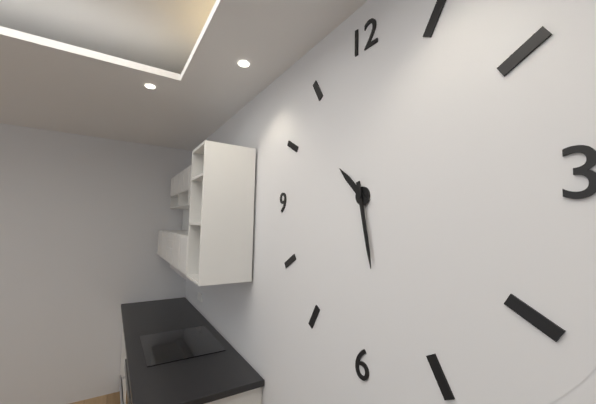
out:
{"hour": 10, "minute": 28}
